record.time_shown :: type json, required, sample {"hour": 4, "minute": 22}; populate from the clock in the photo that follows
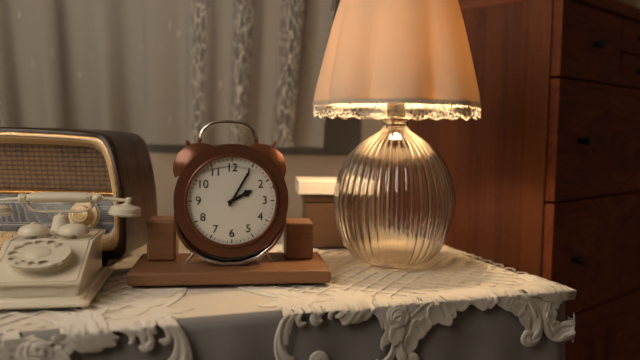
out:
{"hour": 2, "minute": 5}
